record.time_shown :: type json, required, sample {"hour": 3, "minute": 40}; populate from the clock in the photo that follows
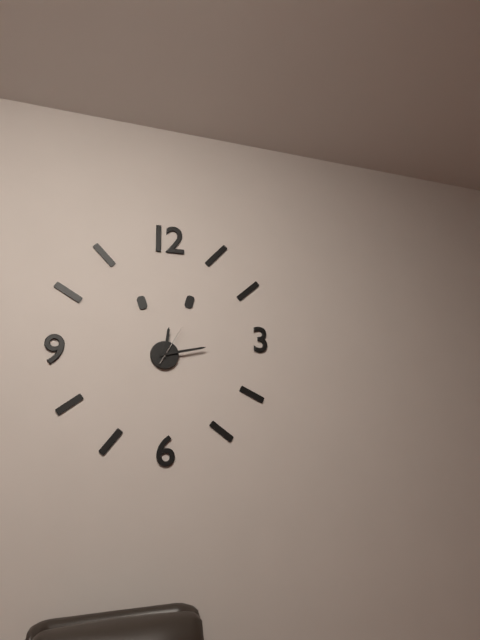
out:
{"hour": 12, "minute": 13}
